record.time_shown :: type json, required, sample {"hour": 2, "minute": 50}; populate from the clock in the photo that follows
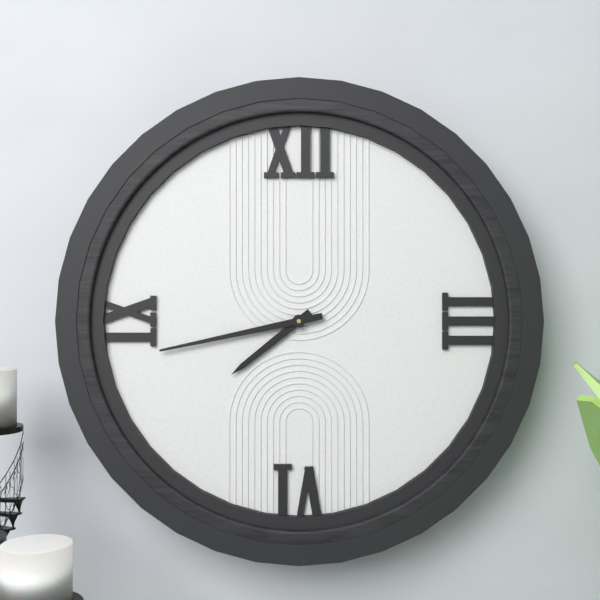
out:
{"hour": 7, "minute": 43}
